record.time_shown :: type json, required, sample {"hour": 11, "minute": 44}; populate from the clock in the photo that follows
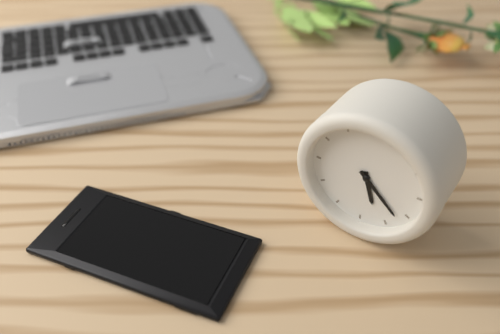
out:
{"hour": 5, "minute": 22}
